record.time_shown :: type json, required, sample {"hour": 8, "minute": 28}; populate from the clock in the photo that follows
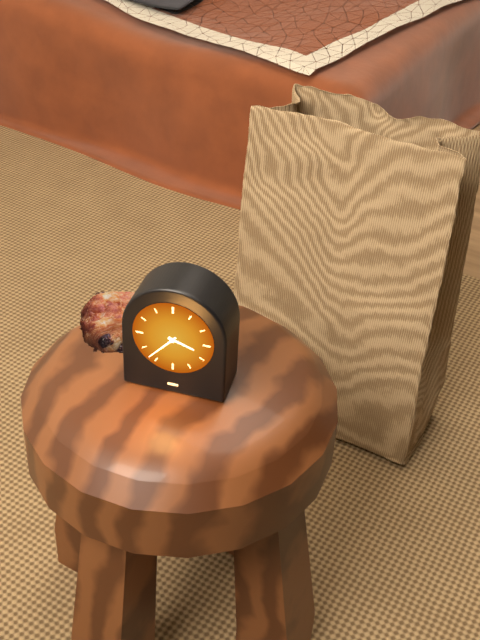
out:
{"hour": 3, "minute": 37}
